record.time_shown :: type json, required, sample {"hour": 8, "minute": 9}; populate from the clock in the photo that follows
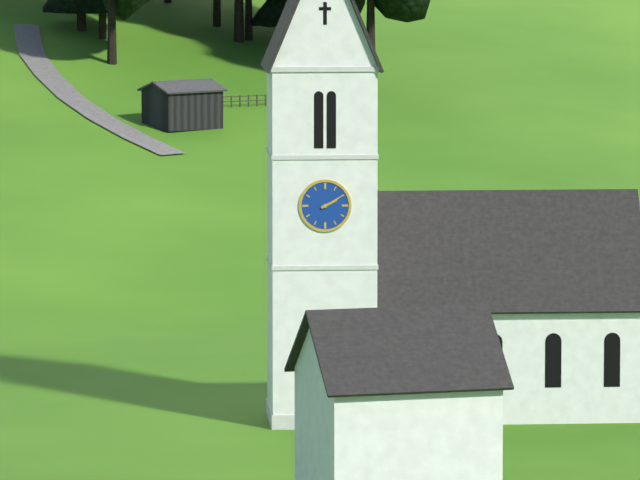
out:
{"hour": 2, "minute": 10}
